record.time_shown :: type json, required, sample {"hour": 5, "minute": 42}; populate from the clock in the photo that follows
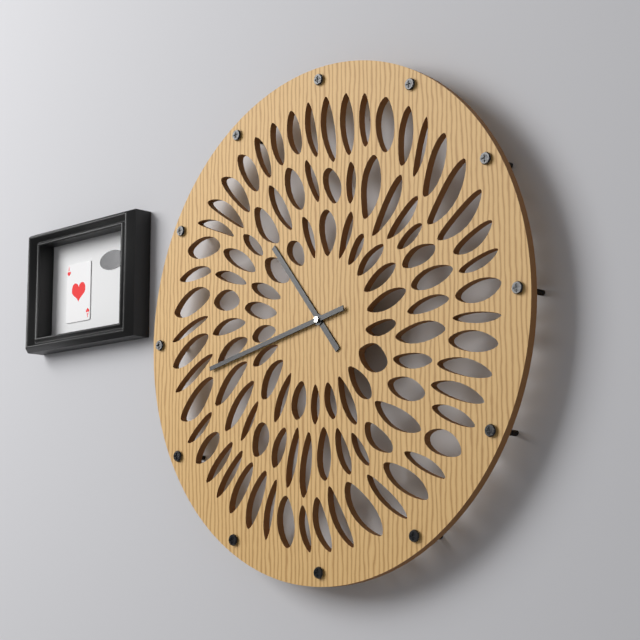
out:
{"hour": 10, "minute": 43}
